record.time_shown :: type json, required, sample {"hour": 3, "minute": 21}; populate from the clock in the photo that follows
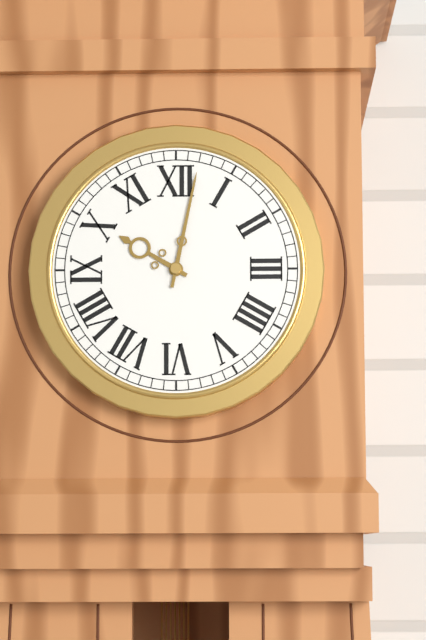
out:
{"hour": 10, "minute": 2}
